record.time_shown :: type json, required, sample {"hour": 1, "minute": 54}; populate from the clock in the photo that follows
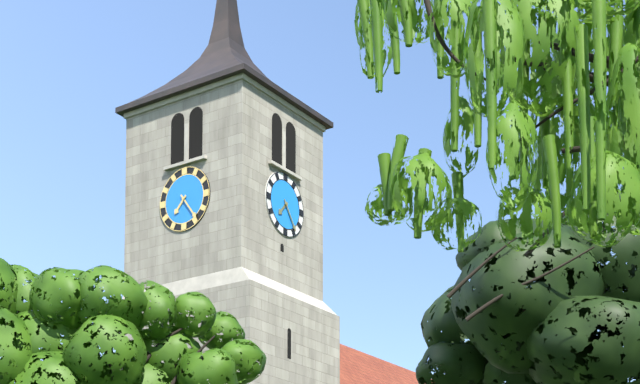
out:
{"hour": 7, "minute": 24}
